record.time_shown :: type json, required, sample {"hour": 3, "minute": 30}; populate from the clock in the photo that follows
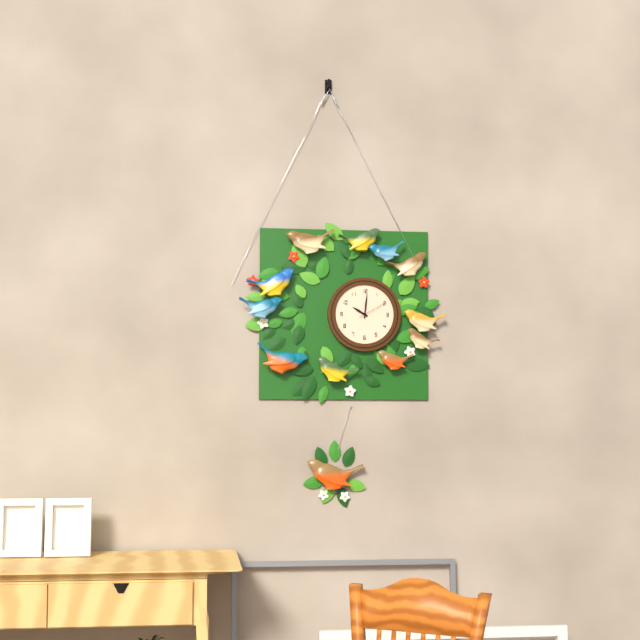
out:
{"hour": 10, "minute": 1}
